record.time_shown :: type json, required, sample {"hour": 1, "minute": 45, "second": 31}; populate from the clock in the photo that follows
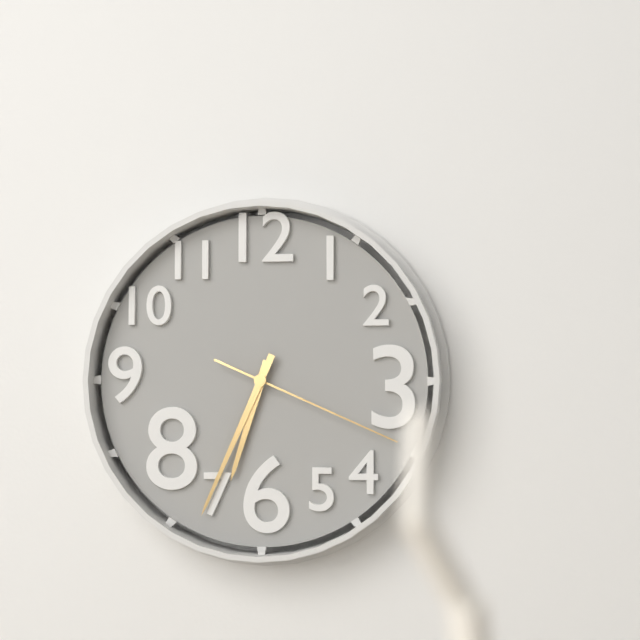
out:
{"hour": 6, "minute": 34, "second": 19}
